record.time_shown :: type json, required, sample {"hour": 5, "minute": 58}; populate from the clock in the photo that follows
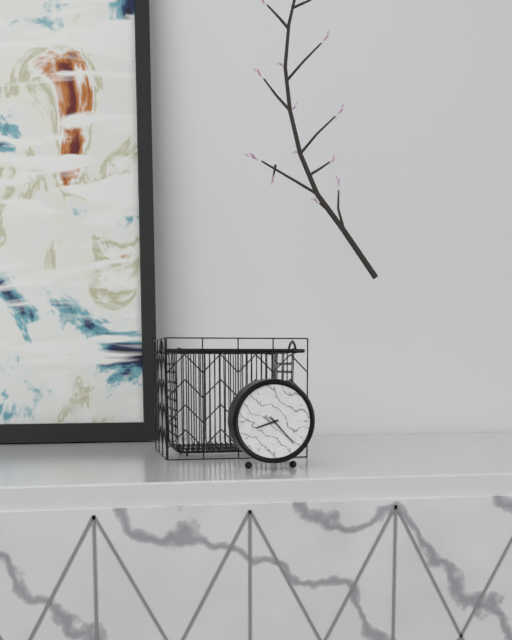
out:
{"hour": 8, "minute": 23}
